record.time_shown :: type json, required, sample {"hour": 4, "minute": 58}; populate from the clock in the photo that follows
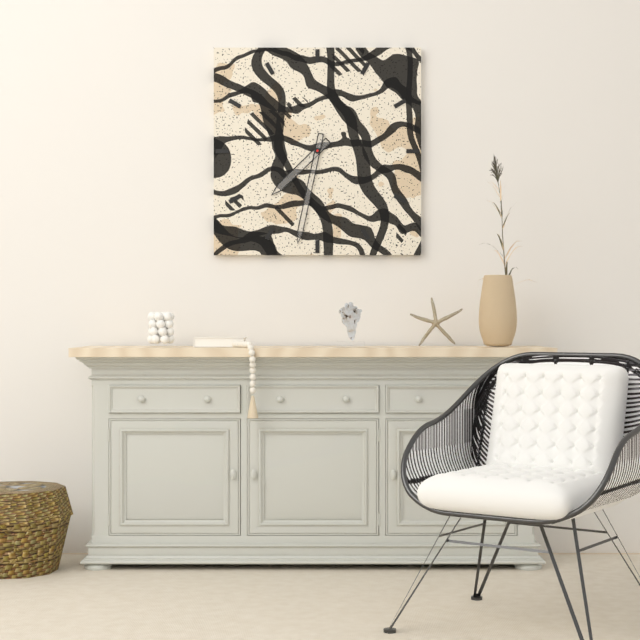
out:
{"hour": 7, "minute": 32}
